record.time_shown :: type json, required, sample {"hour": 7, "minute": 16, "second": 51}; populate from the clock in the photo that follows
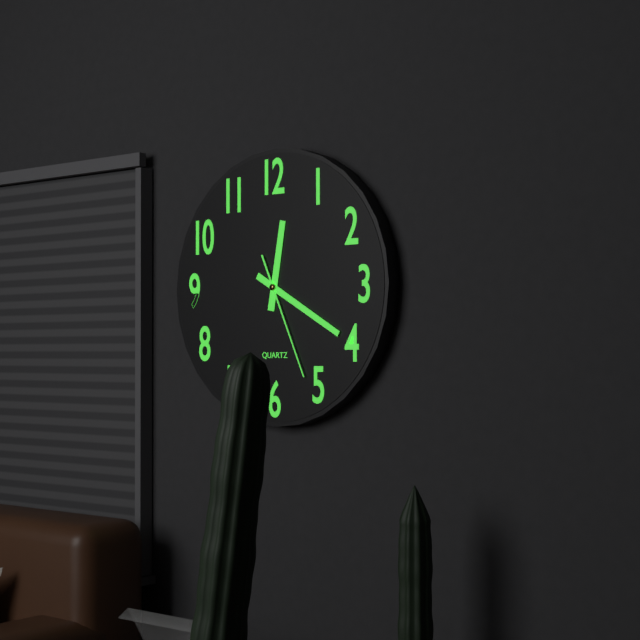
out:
{"hour": 12, "minute": 20, "second": 26}
